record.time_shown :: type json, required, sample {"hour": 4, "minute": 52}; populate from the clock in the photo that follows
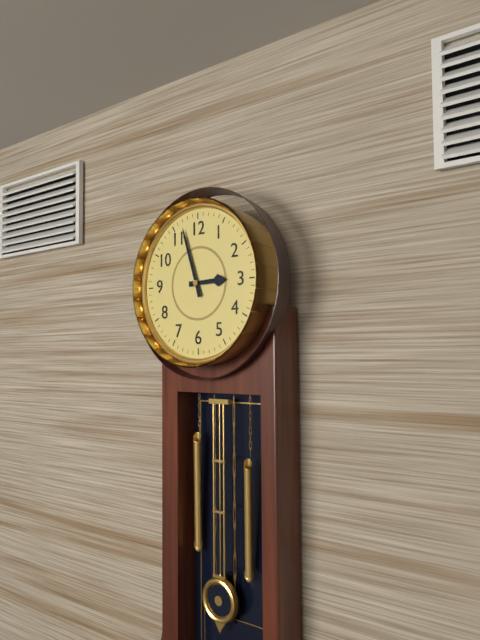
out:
{"hour": 2, "minute": 57}
